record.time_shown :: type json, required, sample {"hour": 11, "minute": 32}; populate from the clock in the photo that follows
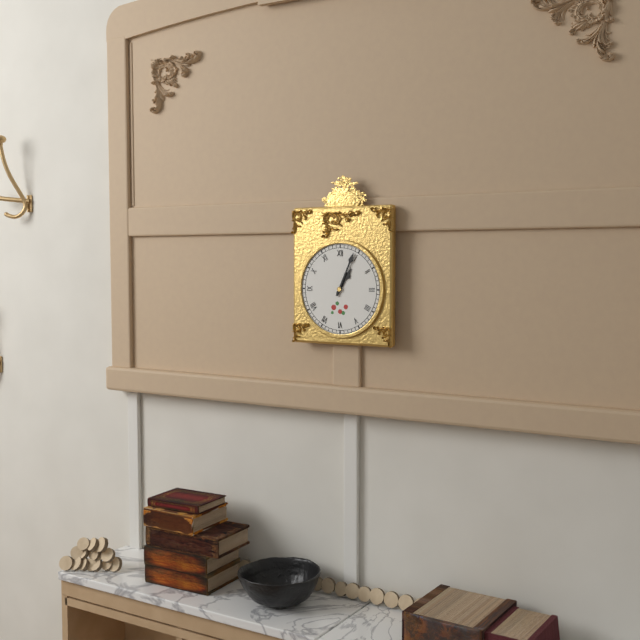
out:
{"hour": 1, "minute": 4}
